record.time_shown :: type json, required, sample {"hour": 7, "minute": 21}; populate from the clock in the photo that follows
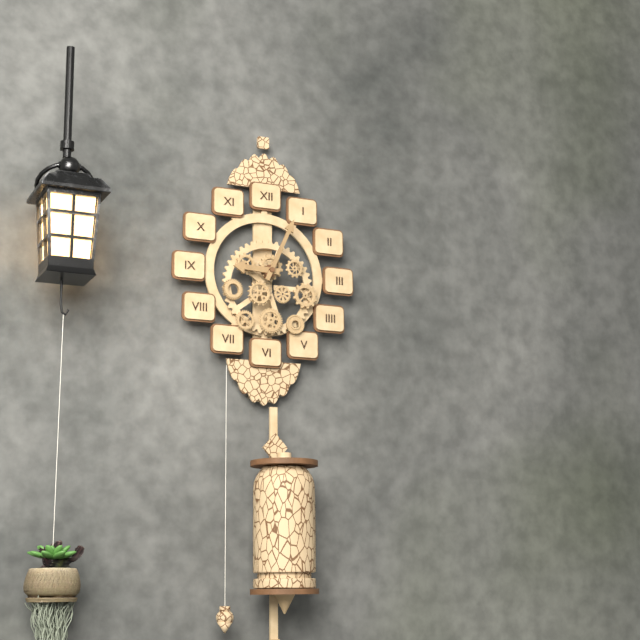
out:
{"hour": 9, "minute": 4}
